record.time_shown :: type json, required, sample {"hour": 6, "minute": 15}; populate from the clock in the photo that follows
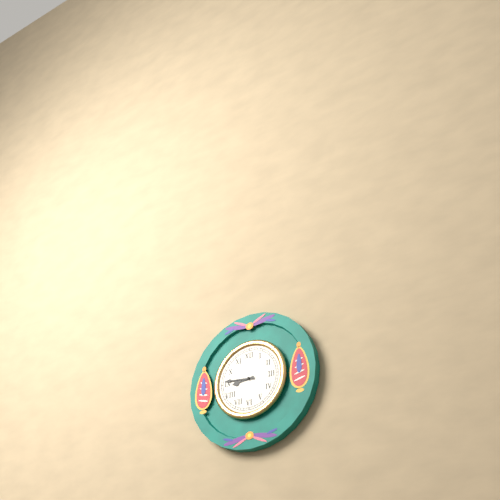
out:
{"hour": 8, "minute": 46}
